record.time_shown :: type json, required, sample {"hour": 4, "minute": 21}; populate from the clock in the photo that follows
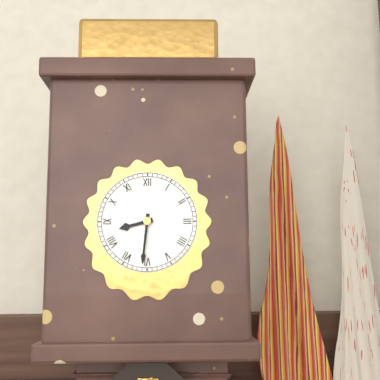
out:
{"hour": 8, "minute": 31}
